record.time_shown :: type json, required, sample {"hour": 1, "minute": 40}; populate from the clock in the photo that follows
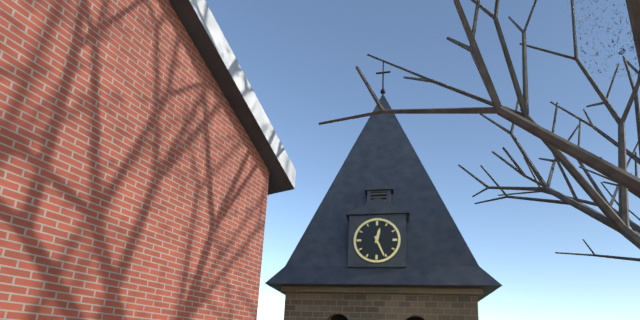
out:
{"hour": 12, "minute": 26}
